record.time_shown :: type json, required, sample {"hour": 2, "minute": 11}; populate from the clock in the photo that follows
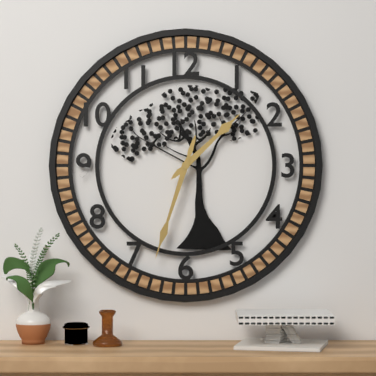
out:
{"hour": 1, "minute": 33}
